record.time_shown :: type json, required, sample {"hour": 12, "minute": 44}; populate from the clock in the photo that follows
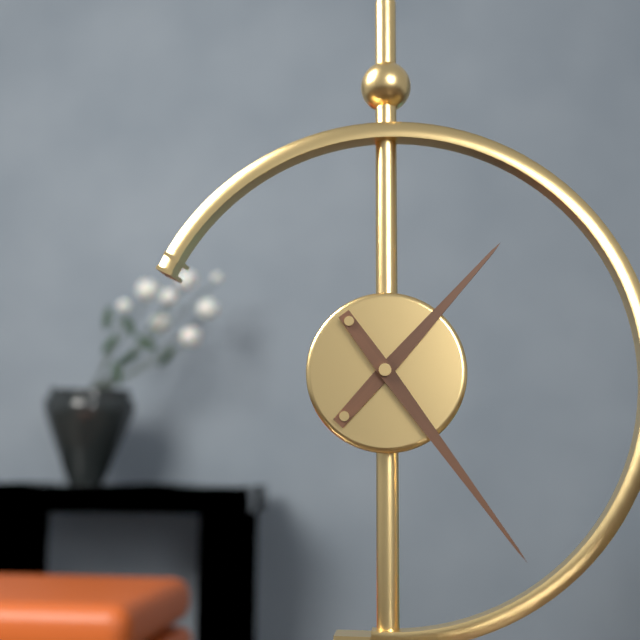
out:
{"hour": 1, "minute": 24}
